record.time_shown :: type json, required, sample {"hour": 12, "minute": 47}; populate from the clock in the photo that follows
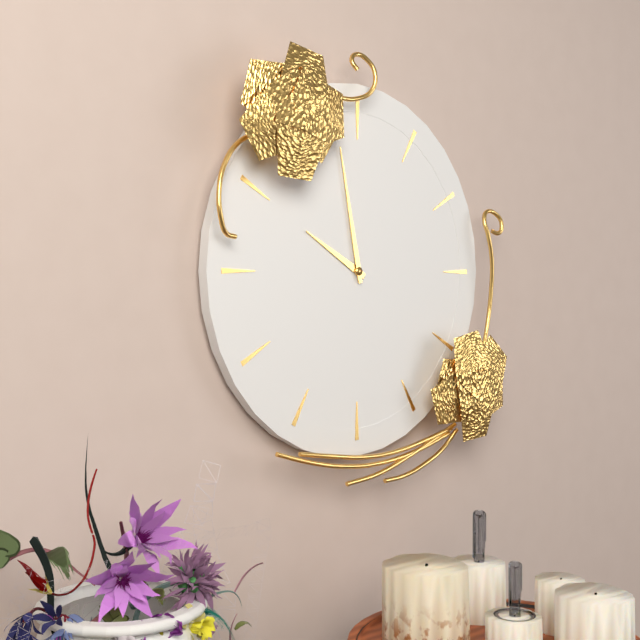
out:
{"hour": 9, "minute": 58}
